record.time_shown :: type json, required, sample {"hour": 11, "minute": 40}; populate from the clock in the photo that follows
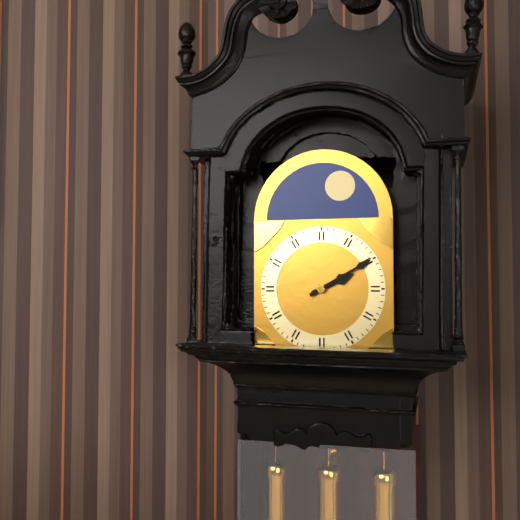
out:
{"hour": 2, "minute": 10}
